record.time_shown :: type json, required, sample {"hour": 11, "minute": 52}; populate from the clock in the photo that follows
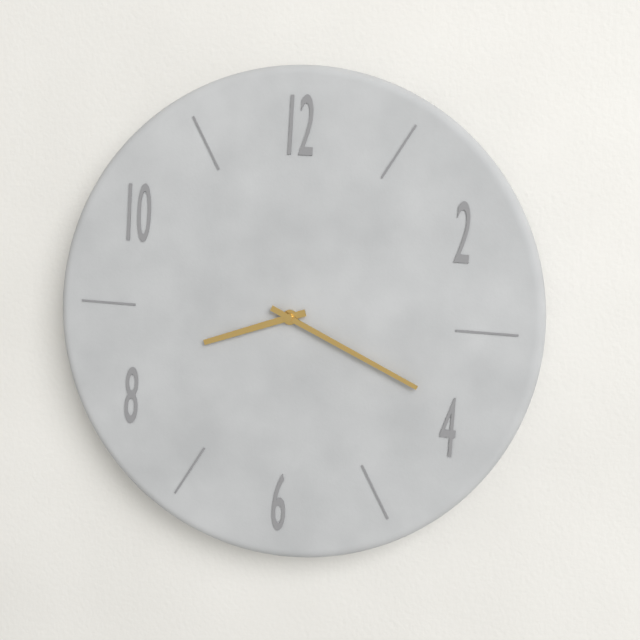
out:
{"hour": 8, "minute": 19}
